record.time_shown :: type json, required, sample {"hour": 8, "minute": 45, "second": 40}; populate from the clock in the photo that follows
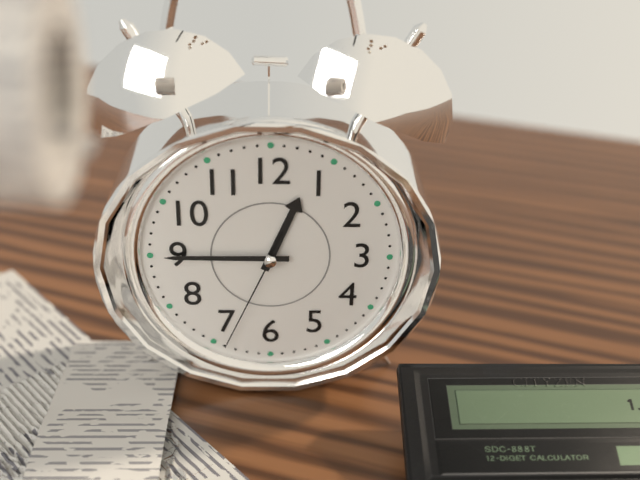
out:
{"hour": 12, "minute": 45, "second": 34}
